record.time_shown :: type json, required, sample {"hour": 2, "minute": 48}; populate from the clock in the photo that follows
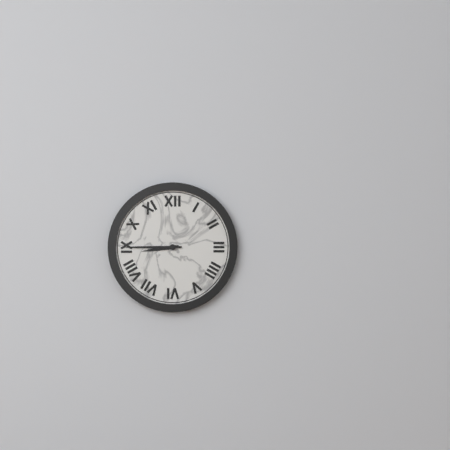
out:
{"hour": 8, "minute": 45}
